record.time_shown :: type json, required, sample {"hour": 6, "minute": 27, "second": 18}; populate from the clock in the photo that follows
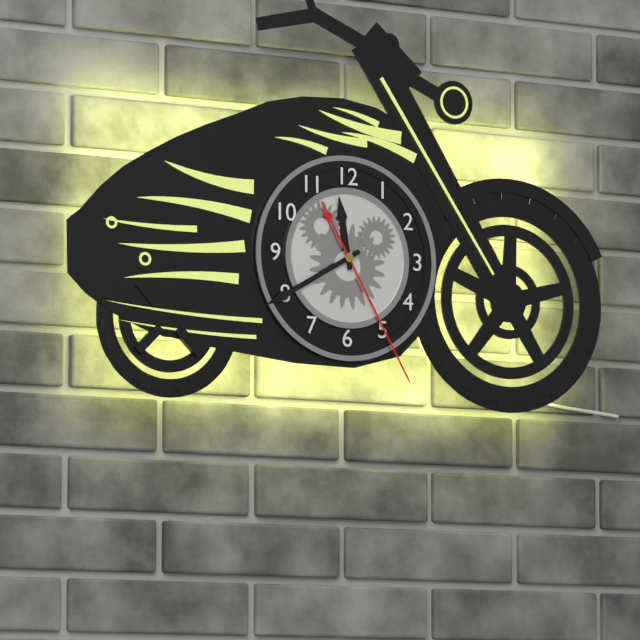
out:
{"hour": 11, "minute": 40, "second": 25}
